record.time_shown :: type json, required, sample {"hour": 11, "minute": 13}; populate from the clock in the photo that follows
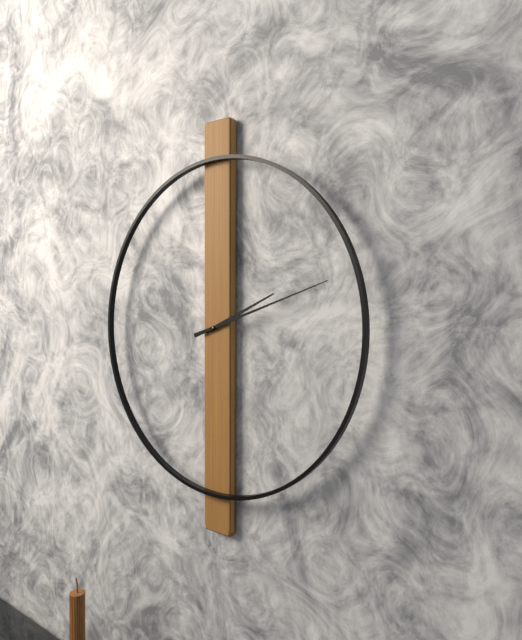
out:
{"hour": 2, "minute": 12}
